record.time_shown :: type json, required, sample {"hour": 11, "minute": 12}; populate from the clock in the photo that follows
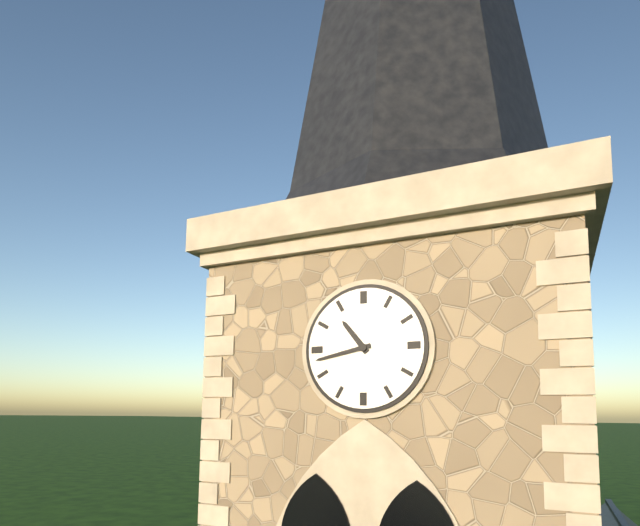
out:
{"hour": 10, "minute": 43}
